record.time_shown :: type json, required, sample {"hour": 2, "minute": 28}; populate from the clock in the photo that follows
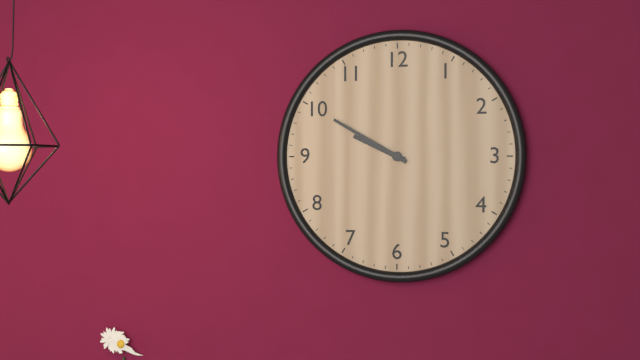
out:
{"hour": 9, "minute": 50}
